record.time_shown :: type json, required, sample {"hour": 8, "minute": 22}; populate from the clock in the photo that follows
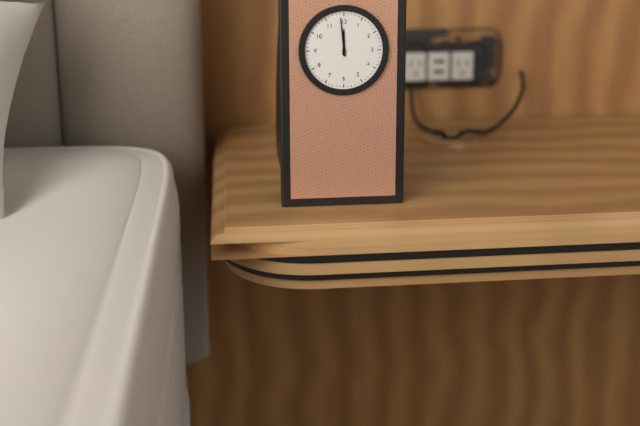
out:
{"hour": 11, "minute": 59}
